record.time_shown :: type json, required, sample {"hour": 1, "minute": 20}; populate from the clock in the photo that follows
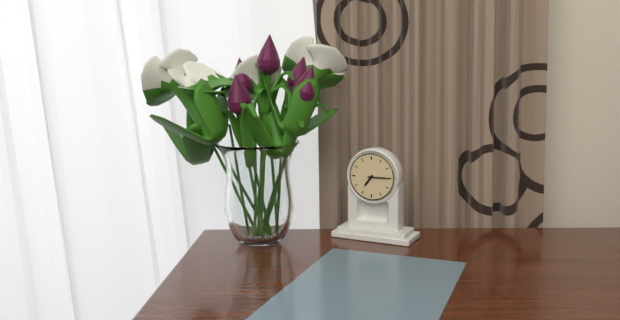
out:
{"hour": 7, "minute": 15}
